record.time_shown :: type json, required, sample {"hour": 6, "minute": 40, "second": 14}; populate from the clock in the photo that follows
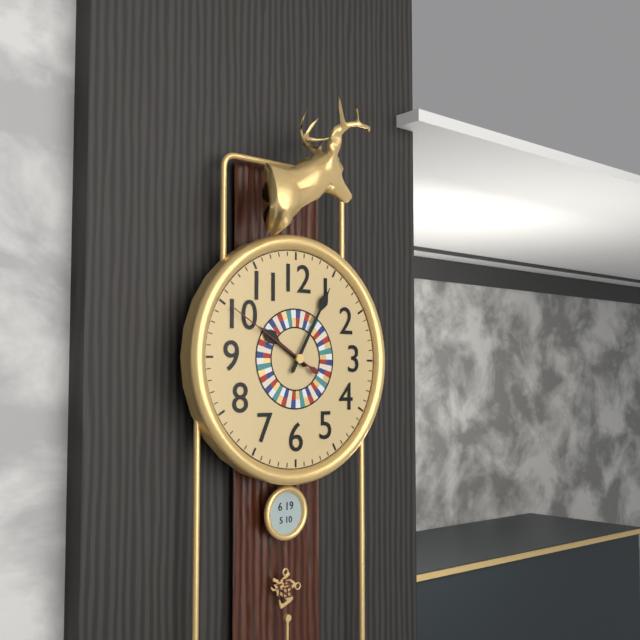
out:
{"hour": 10, "minute": 5, "second": 50}
